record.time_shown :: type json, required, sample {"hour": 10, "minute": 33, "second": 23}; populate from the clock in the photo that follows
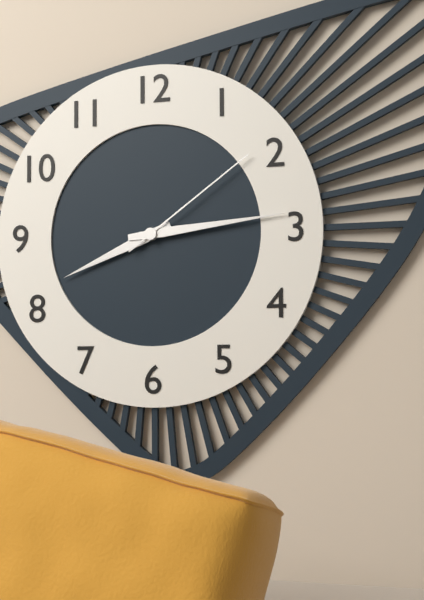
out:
{"hour": 8, "minute": 14, "second": 9}
